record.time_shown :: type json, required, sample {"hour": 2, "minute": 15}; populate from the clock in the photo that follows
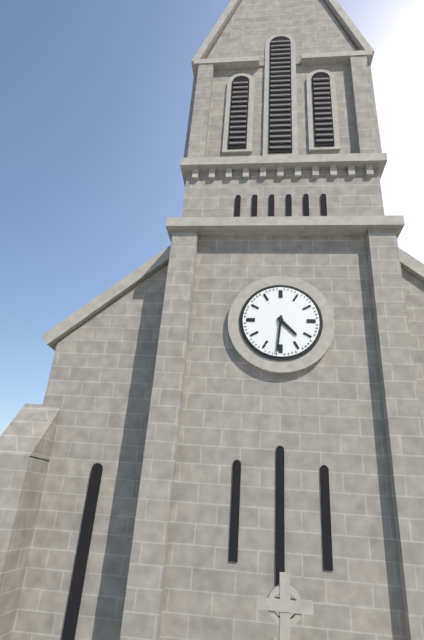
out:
{"hour": 4, "minute": 31}
